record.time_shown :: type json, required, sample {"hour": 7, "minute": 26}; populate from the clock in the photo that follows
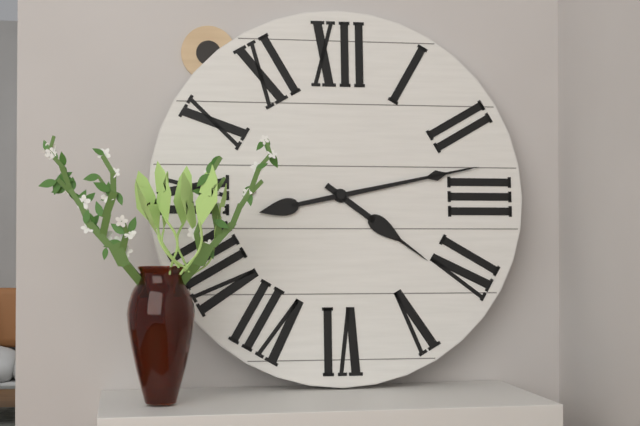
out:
{"hour": 4, "minute": 13}
